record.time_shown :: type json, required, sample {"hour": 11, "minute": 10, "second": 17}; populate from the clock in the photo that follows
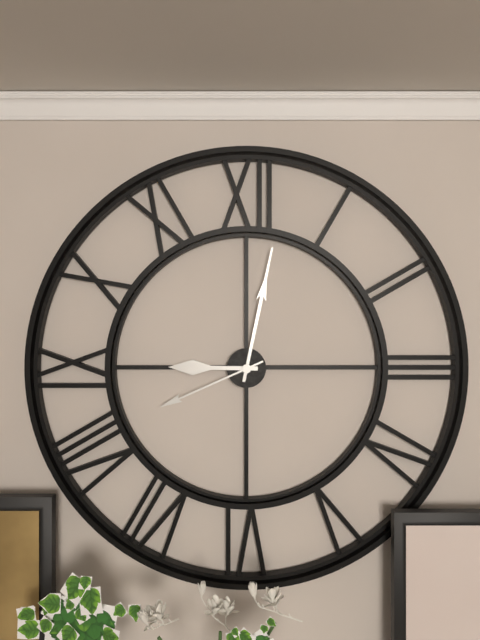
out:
{"hour": 9, "minute": 2, "second": 41}
